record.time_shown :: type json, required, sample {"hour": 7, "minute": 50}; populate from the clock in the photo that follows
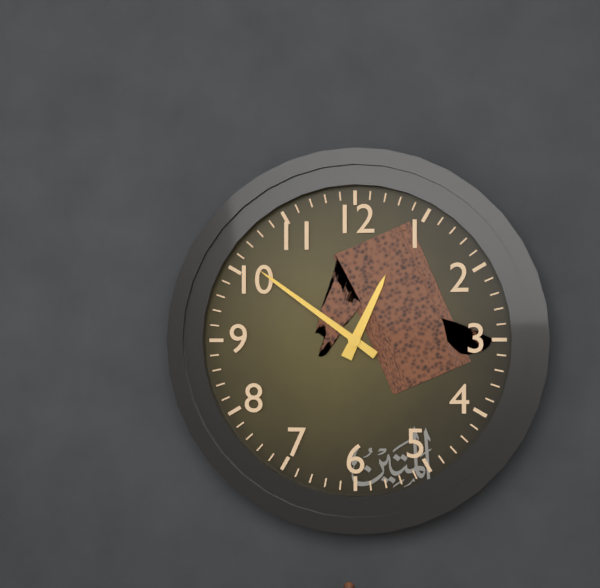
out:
{"hour": 12, "minute": 51}
